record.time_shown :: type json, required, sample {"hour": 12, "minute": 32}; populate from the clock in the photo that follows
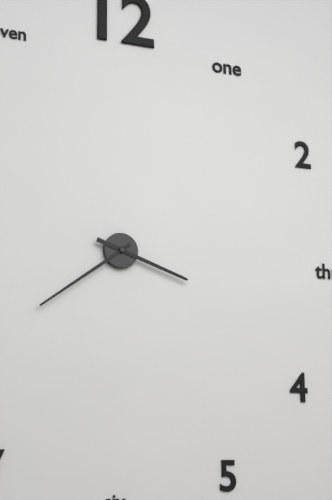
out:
{"hour": 3, "minute": 39}
